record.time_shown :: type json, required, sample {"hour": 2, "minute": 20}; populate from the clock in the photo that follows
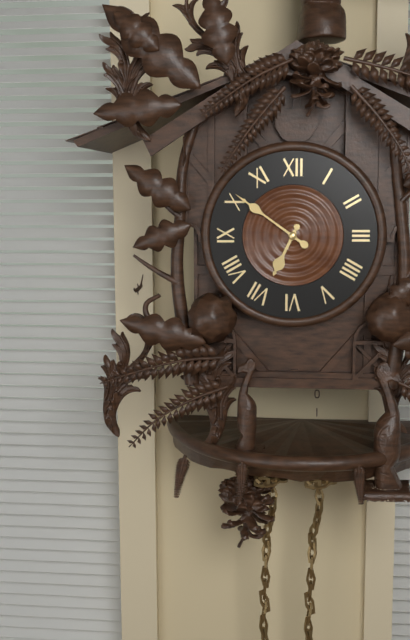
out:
{"hour": 6, "minute": 51}
